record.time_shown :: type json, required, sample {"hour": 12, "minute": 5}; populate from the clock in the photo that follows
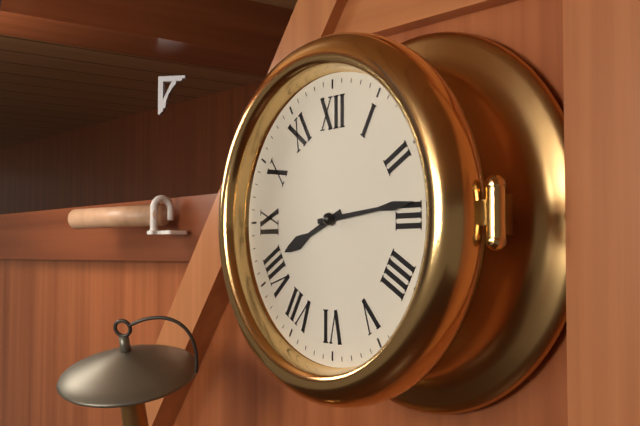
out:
{"hour": 8, "minute": 14}
